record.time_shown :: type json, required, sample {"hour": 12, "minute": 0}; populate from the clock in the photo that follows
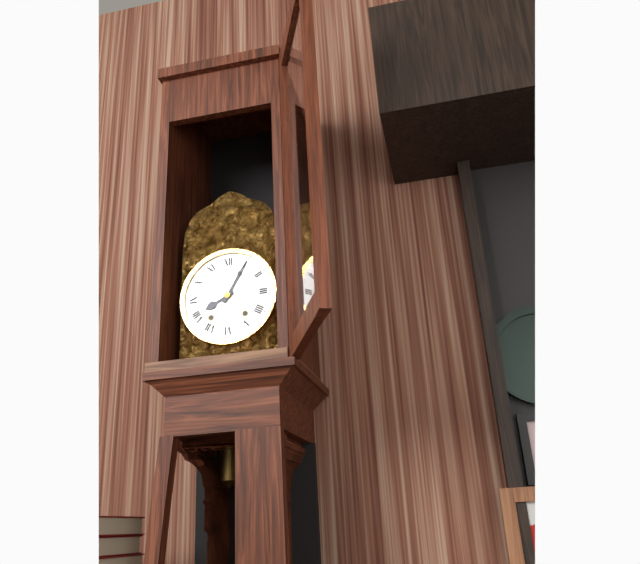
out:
{"hour": 8, "minute": 5}
